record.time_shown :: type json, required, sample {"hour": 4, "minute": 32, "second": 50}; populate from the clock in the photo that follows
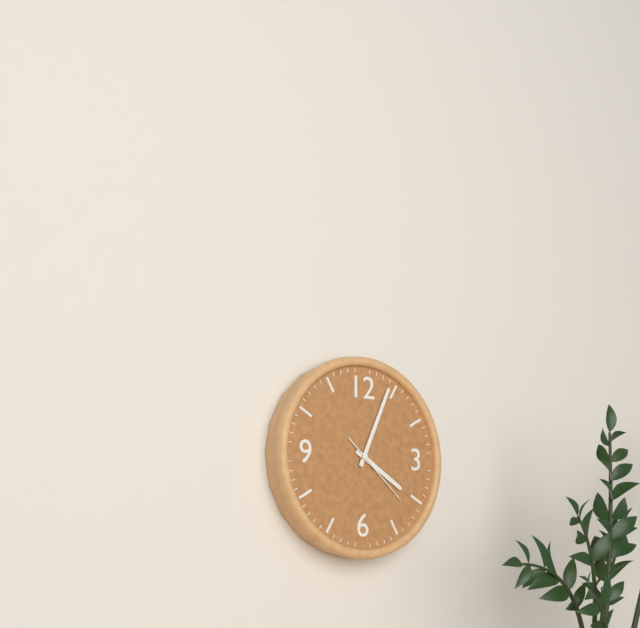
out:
{"hour": 4, "minute": 4, "second": 22}
